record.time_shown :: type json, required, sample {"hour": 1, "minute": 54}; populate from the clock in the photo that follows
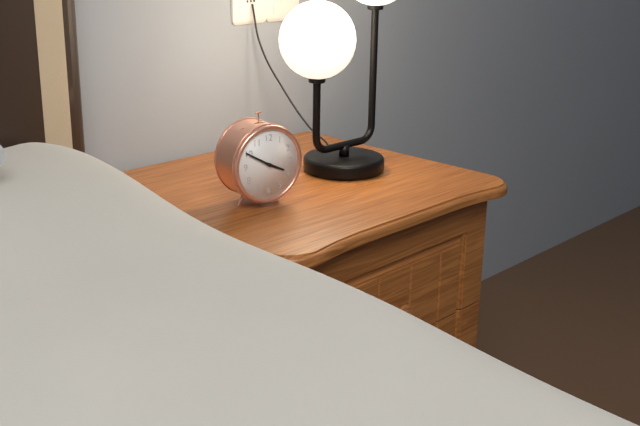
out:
{"hour": 3, "minute": 50}
